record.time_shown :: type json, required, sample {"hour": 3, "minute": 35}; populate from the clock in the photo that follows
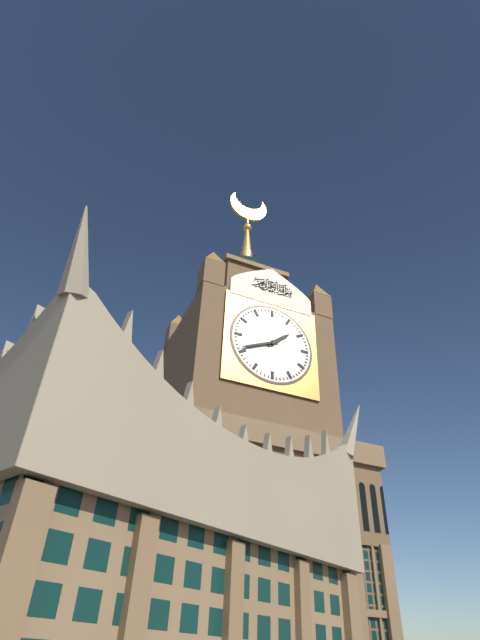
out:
{"hour": 1, "minute": 41}
